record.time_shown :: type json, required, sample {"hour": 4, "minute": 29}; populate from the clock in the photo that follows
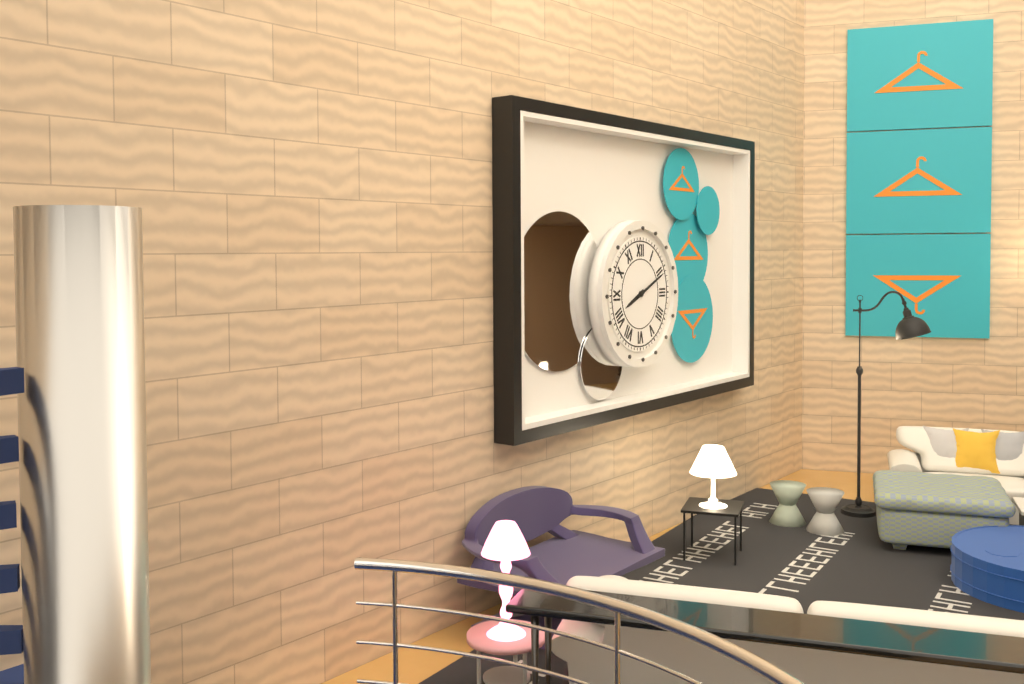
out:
{"hour": 8, "minute": 11}
